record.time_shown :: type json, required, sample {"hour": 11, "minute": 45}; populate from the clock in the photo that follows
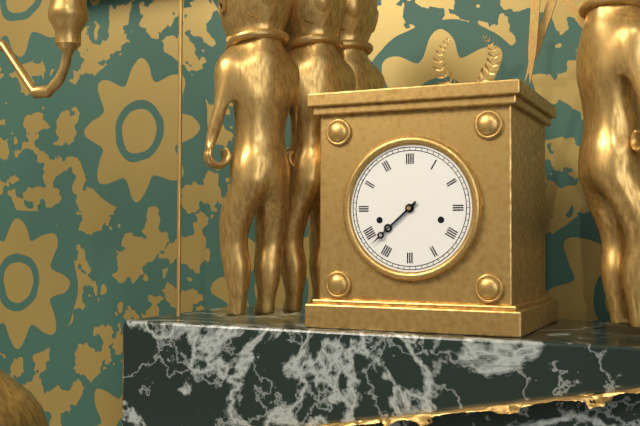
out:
{"hour": 7, "minute": 38}
